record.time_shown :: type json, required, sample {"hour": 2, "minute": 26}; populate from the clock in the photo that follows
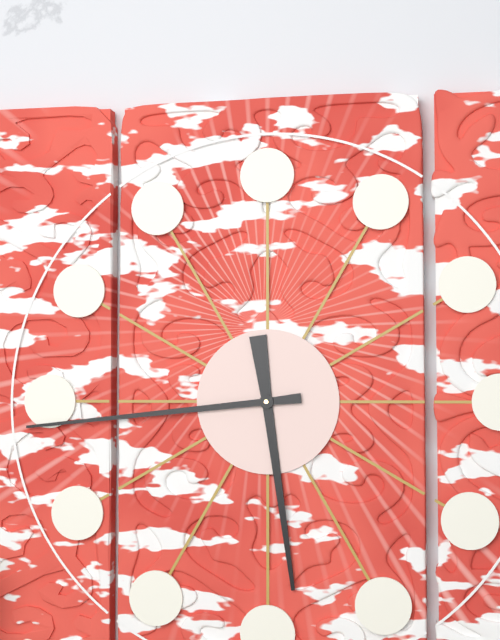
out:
{"hour": 5, "minute": 44}
